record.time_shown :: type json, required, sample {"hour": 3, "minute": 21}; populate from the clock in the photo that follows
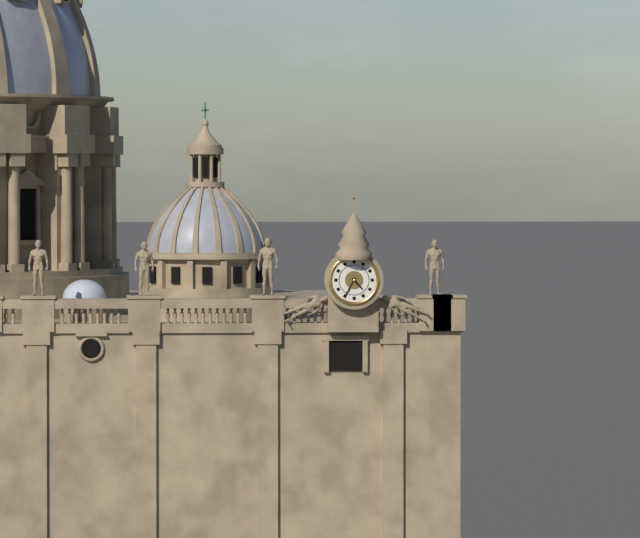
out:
{"hour": 4, "minute": 35}
